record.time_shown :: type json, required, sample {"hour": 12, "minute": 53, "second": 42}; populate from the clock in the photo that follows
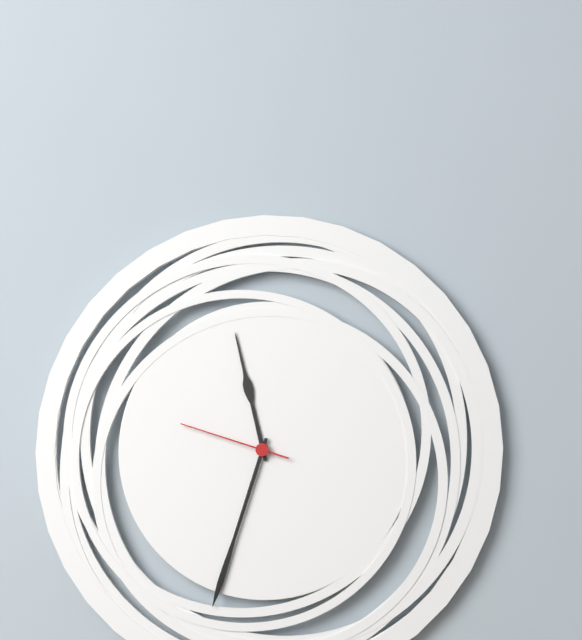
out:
{"hour": 11, "minute": 33, "second": 48}
